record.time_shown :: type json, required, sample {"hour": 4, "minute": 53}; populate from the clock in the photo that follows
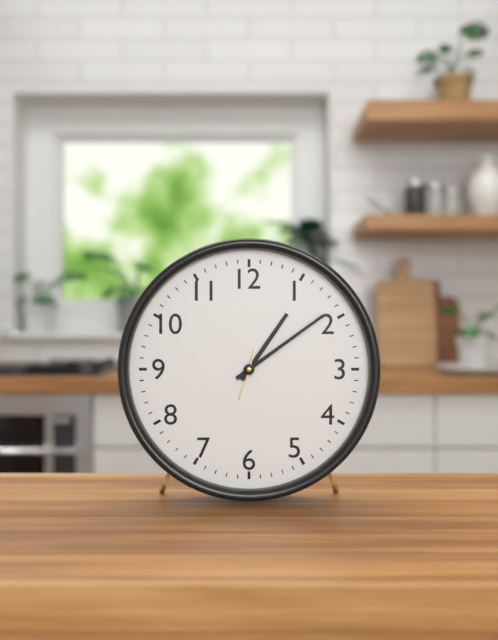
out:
{"hour": 1, "minute": 9}
